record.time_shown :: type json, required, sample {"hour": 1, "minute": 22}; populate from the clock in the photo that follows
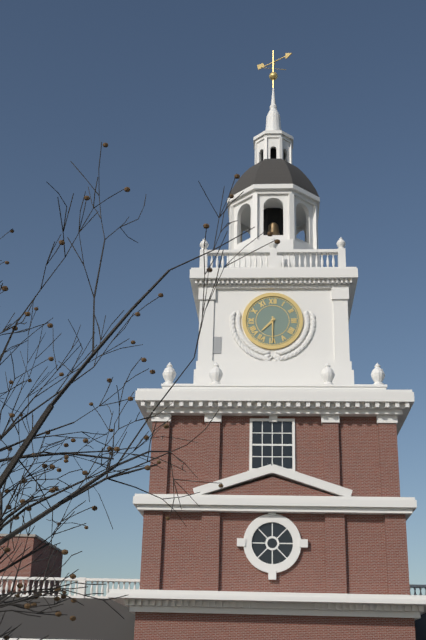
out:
{"hour": 7, "minute": 30}
